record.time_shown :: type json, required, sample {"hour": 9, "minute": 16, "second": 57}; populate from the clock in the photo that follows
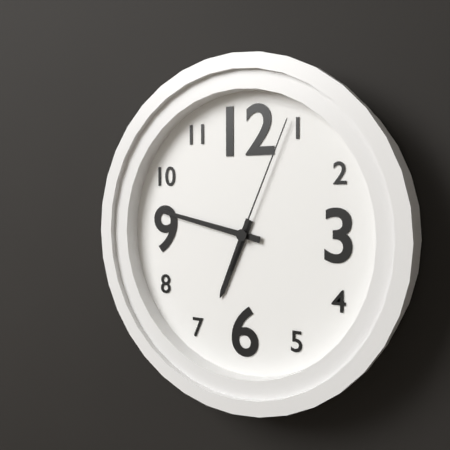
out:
{"hour": 6, "minute": 47, "second": 4}
